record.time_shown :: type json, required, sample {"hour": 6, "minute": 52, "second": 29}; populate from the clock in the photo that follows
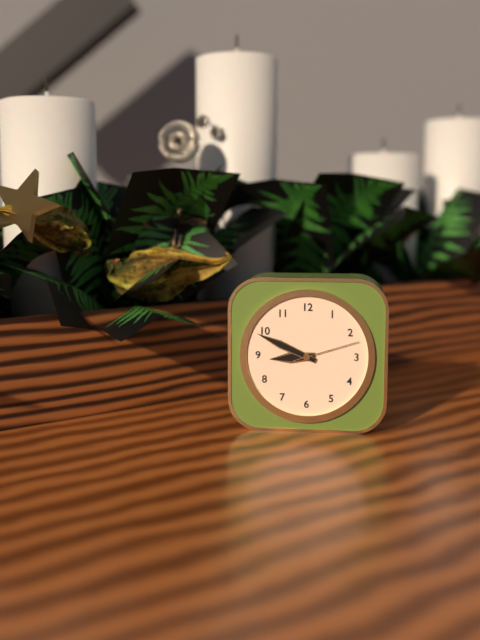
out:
{"hour": 8, "minute": 49, "second": 12}
